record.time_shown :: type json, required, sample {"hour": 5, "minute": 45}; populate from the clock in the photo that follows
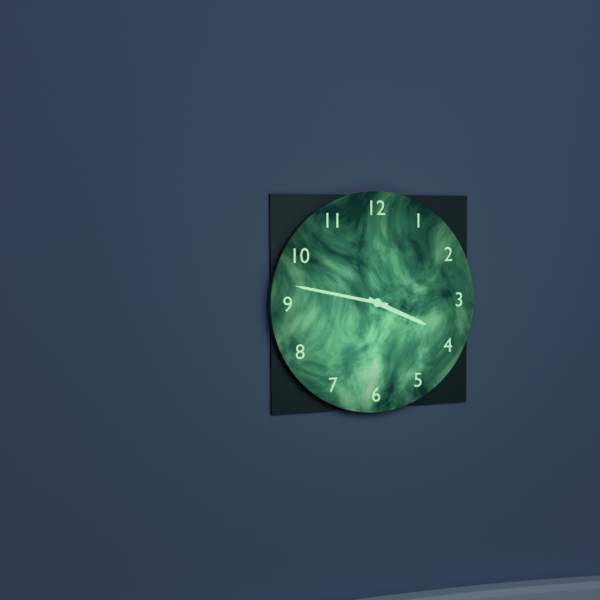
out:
{"hour": 3, "minute": 47}
